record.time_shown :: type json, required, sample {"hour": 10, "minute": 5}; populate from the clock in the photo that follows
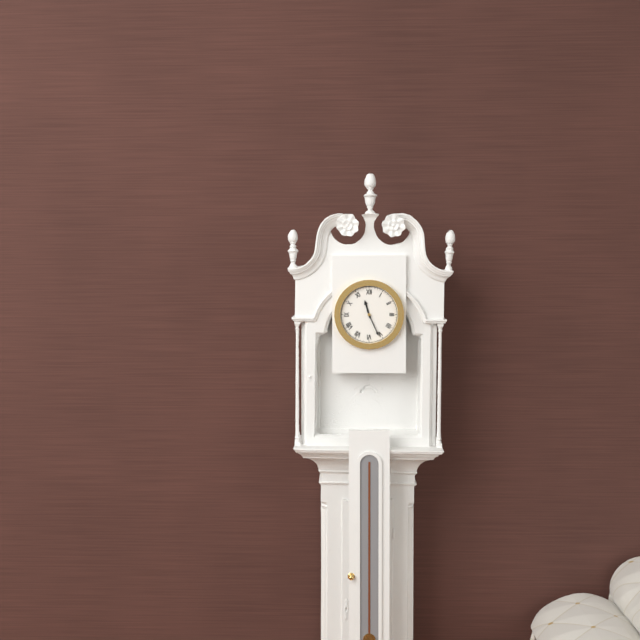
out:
{"hour": 11, "minute": 26}
